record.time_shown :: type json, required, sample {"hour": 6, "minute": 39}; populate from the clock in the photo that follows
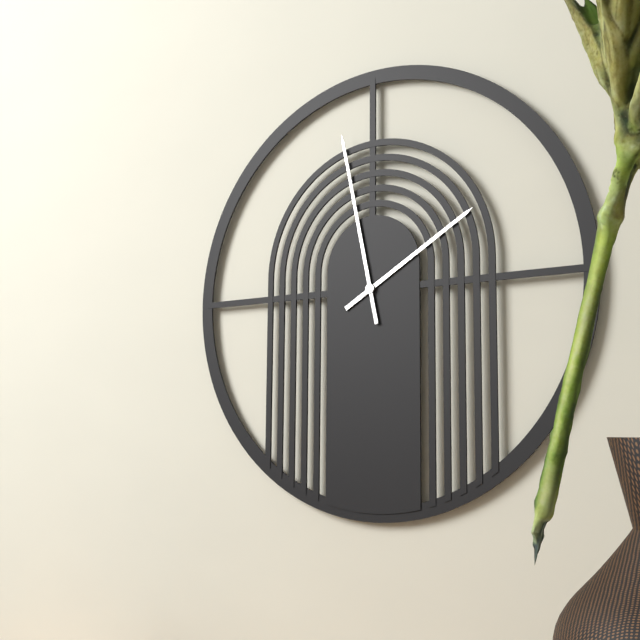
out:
{"hour": 1, "minute": 58}
